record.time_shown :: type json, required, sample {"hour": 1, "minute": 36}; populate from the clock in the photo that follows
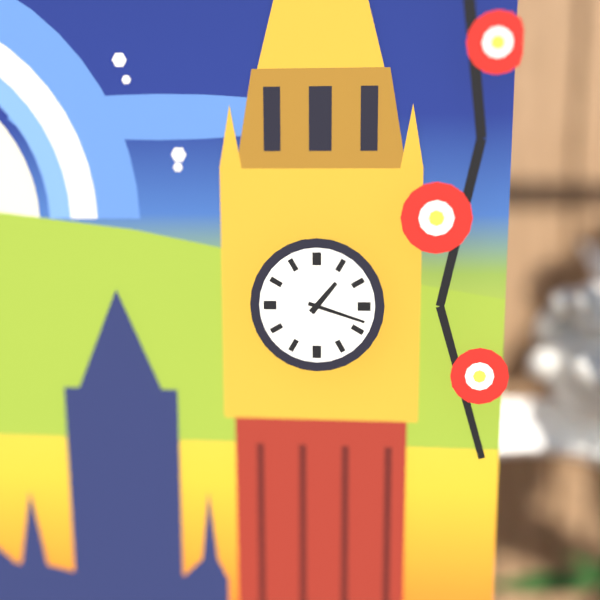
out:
{"hour": 1, "minute": 18}
